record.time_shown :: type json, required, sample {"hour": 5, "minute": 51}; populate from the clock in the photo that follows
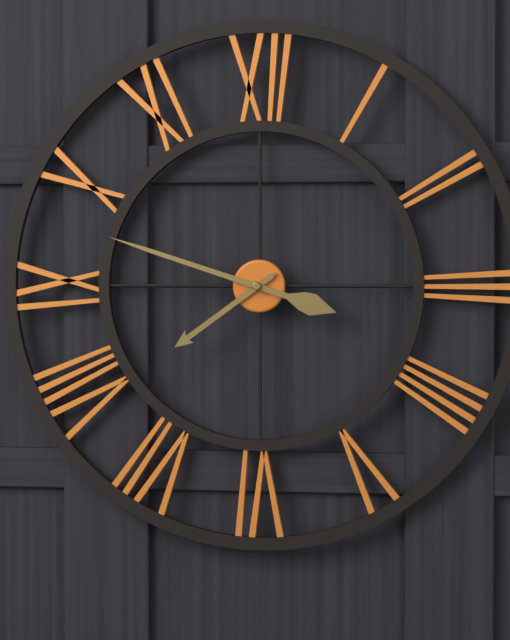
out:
{"hour": 7, "minute": 48}
